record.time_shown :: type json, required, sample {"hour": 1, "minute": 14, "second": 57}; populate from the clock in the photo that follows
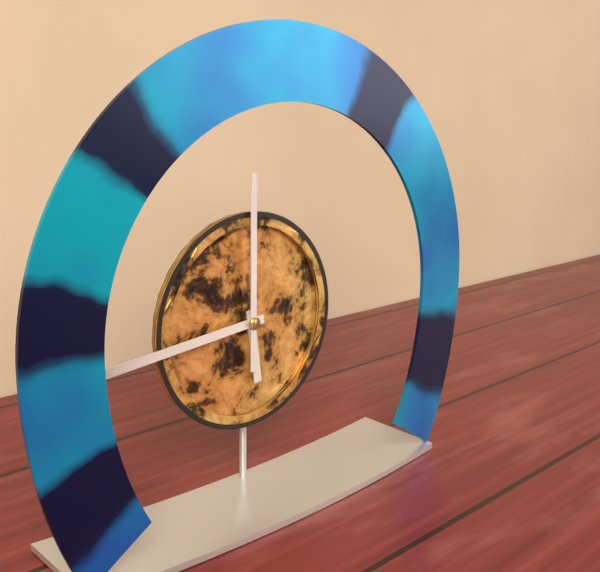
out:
{"hour": 5, "minute": 44, "second": 0}
